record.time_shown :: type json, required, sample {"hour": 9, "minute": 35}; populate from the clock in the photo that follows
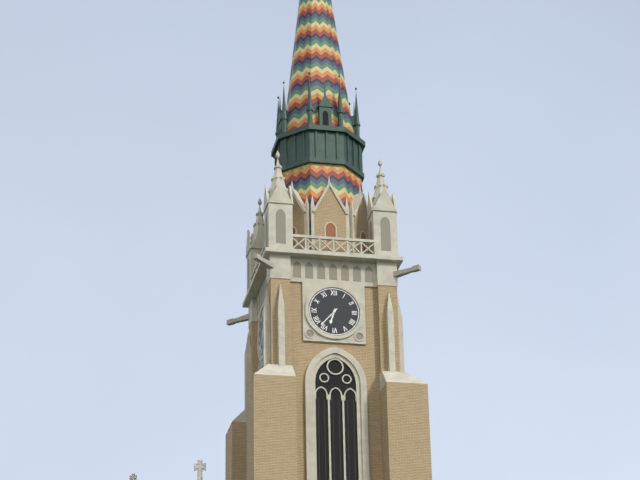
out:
{"hour": 6, "minute": 37}
